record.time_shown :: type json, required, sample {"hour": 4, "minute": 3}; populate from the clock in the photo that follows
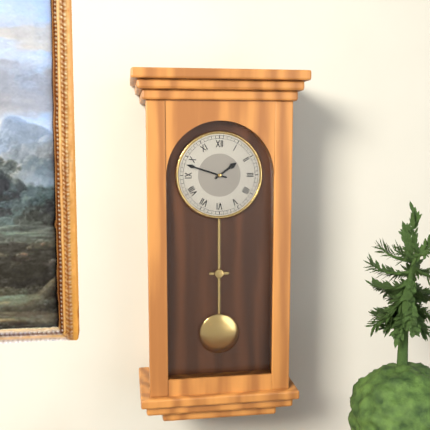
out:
{"hour": 1, "minute": 48}
